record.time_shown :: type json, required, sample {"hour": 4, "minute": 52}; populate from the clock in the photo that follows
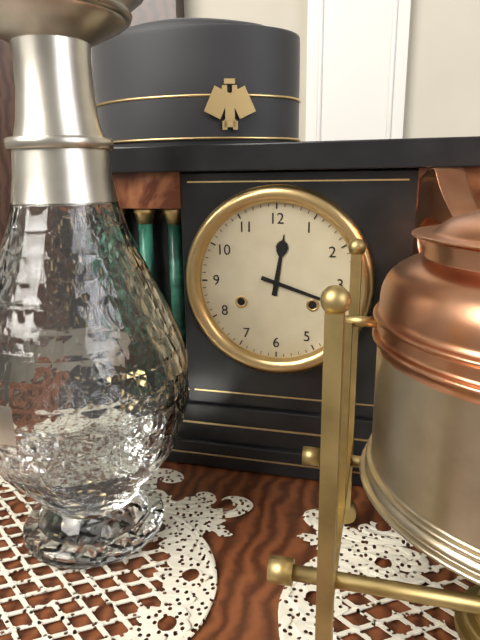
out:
{"hour": 12, "minute": 18}
